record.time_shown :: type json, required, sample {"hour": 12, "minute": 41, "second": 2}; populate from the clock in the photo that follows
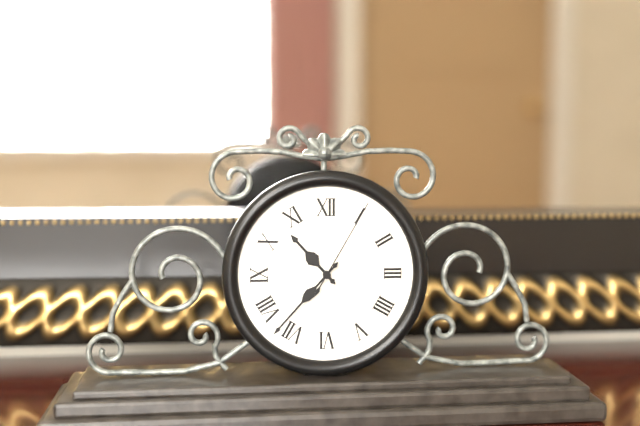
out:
{"hour": 10, "minute": 37, "second": 5}
